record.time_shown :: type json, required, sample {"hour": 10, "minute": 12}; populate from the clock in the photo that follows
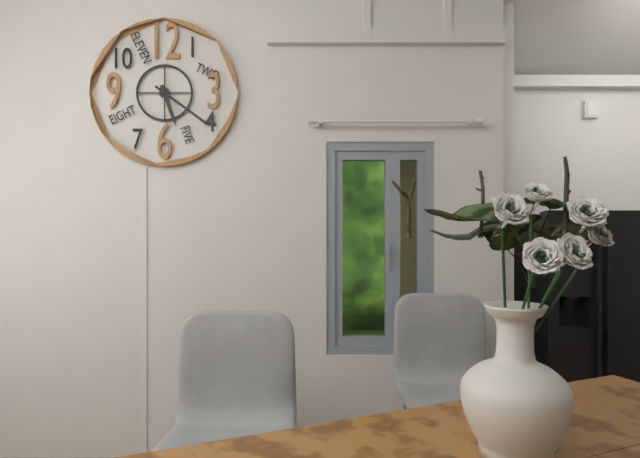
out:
{"hour": 5, "minute": 21}
